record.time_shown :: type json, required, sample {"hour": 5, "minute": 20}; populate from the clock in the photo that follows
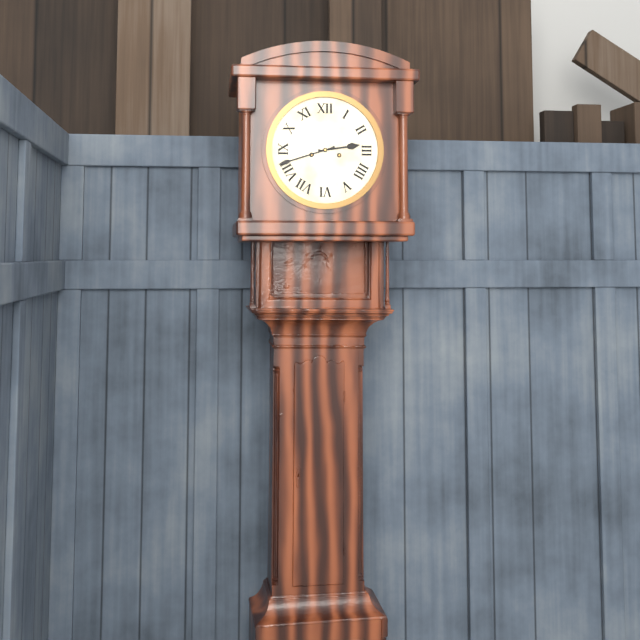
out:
{"hour": 2, "minute": 42}
